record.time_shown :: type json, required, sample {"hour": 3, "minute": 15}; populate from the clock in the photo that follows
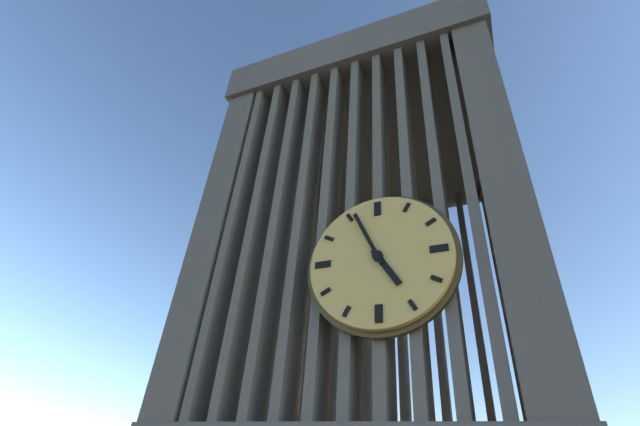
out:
{"hour": 4, "minute": 56}
